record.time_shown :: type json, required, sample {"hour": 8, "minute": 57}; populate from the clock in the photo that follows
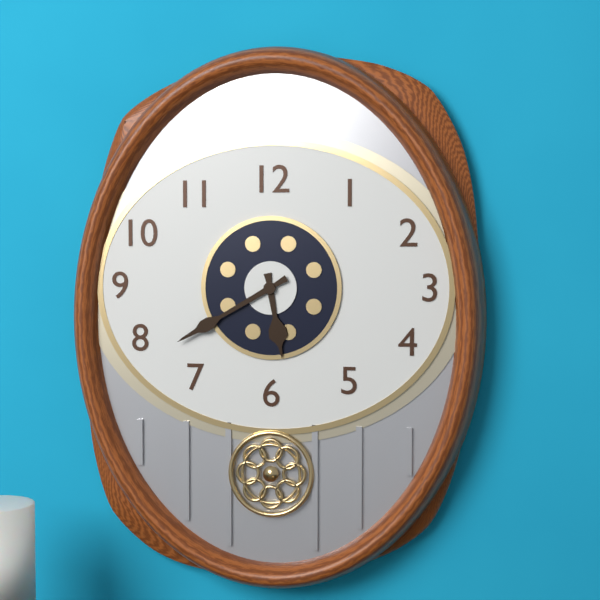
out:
{"hour": 5, "minute": 40}
